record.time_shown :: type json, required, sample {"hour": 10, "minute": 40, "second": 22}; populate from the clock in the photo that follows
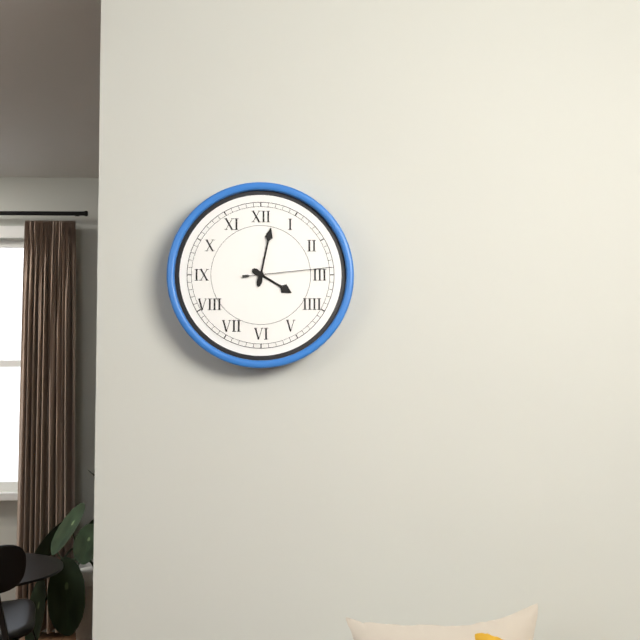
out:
{"hour": 4, "minute": 2, "second": 14}
